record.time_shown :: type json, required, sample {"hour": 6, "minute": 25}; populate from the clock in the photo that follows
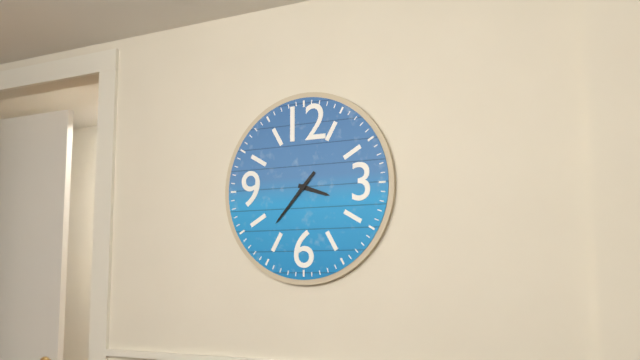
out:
{"hour": 3, "minute": 37}
